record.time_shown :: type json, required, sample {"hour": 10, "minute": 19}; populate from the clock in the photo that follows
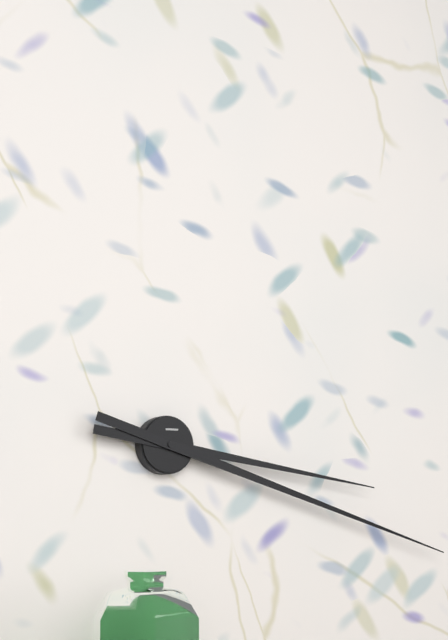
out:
{"hour": 3, "minute": 18}
